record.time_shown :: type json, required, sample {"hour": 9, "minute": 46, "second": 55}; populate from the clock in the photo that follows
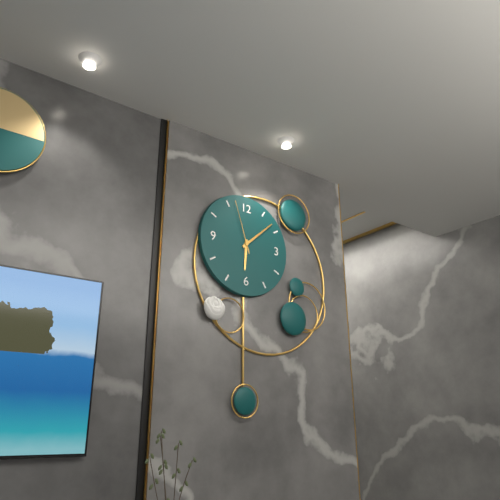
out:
{"hour": 6, "minute": 8, "second": 57}
